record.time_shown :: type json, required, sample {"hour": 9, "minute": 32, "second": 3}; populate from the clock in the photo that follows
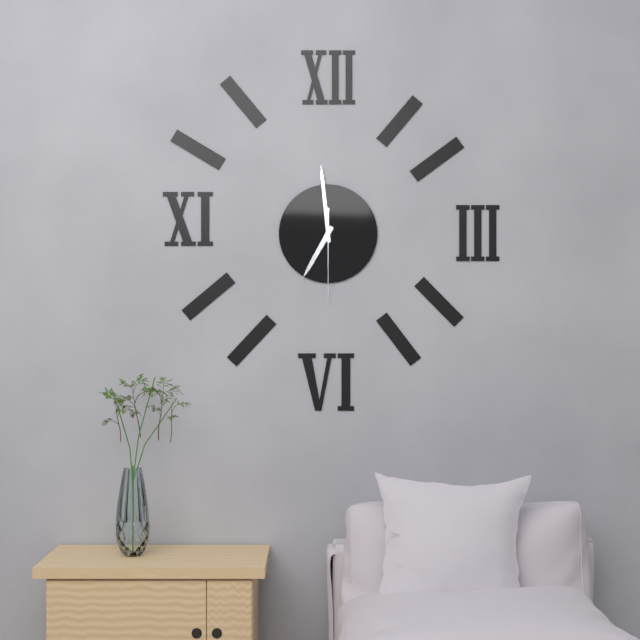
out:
{"hour": 6, "minute": 59, "second": 30}
